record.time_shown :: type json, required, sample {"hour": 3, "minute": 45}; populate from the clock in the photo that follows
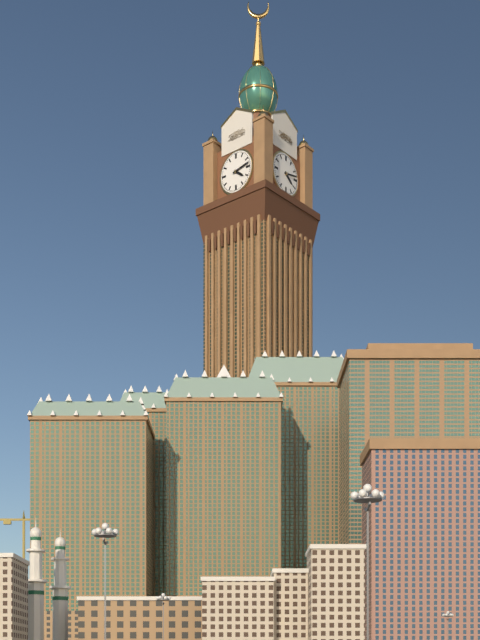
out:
{"hour": 4, "minute": 13}
